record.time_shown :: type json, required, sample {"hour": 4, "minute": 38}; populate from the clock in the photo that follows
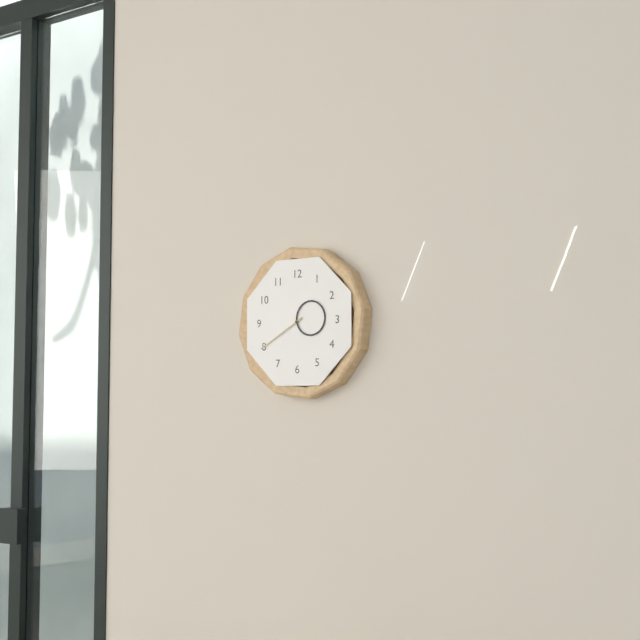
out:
{"hour": 2, "minute": 40}
